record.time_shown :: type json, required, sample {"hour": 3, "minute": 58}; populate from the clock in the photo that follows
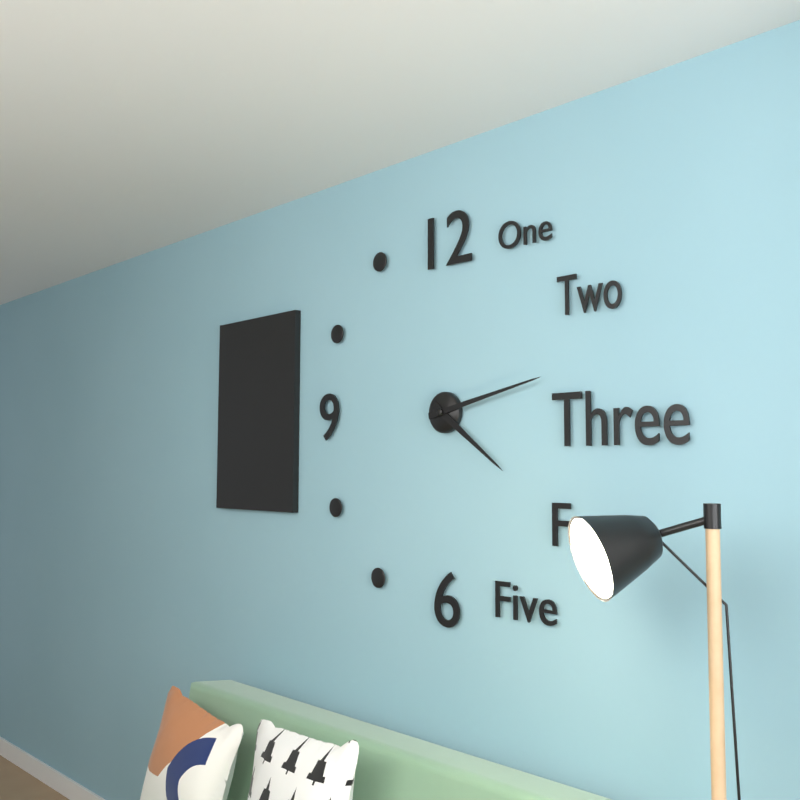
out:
{"hour": 4, "minute": 13}
